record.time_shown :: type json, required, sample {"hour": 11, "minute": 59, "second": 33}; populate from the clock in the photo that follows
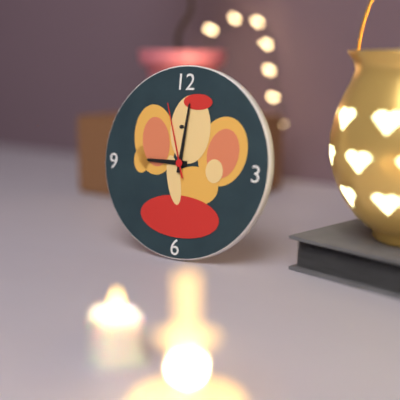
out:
{"hour": 9, "minute": 1, "second": 57}
